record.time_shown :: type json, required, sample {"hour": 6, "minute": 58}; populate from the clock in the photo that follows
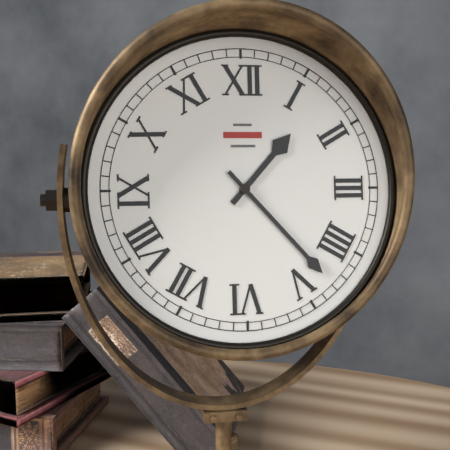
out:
{"hour": 1, "minute": 23}
